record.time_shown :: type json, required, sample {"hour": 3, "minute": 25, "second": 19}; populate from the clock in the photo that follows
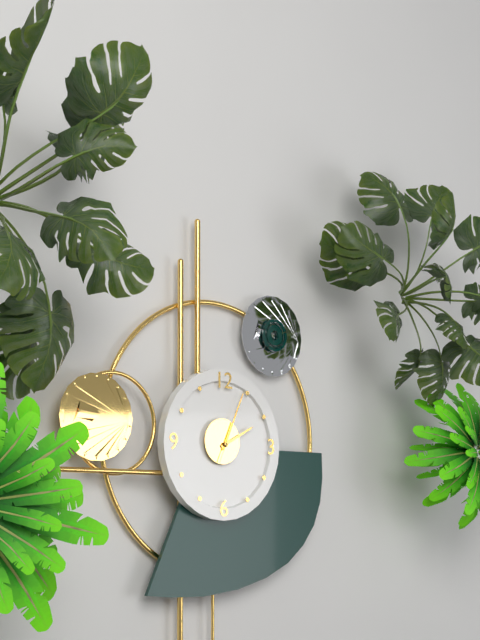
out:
{"hour": 2, "minute": 4, "second": 4}
